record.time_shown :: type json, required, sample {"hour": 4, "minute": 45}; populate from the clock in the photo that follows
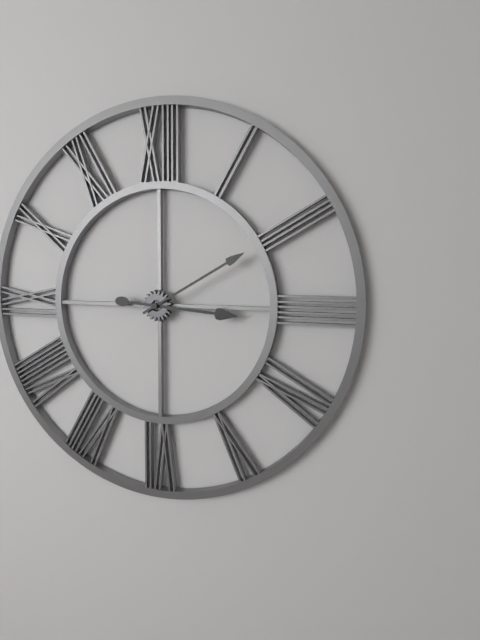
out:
{"hour": 3, "minute": 10}
